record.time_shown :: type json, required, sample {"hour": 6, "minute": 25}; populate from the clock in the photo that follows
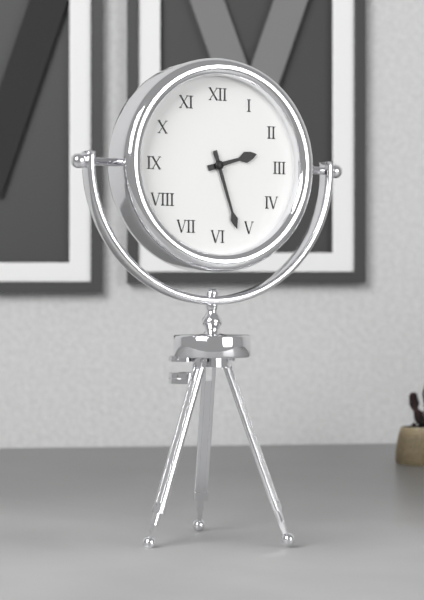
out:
{"hour": 2, "minute": 27}
